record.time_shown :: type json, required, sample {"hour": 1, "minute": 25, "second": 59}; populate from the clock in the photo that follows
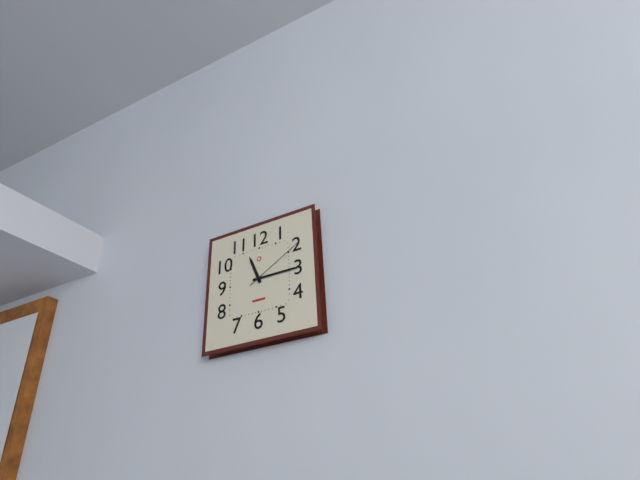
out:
{"hour": 11, "minute": 15, "second": 10}
